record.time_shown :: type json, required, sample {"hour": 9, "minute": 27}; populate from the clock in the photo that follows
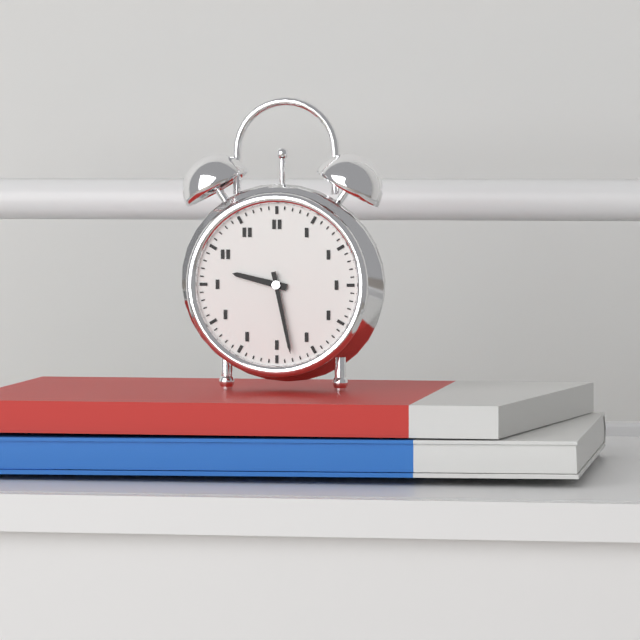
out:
{"hour": 9, "minute": 28}
